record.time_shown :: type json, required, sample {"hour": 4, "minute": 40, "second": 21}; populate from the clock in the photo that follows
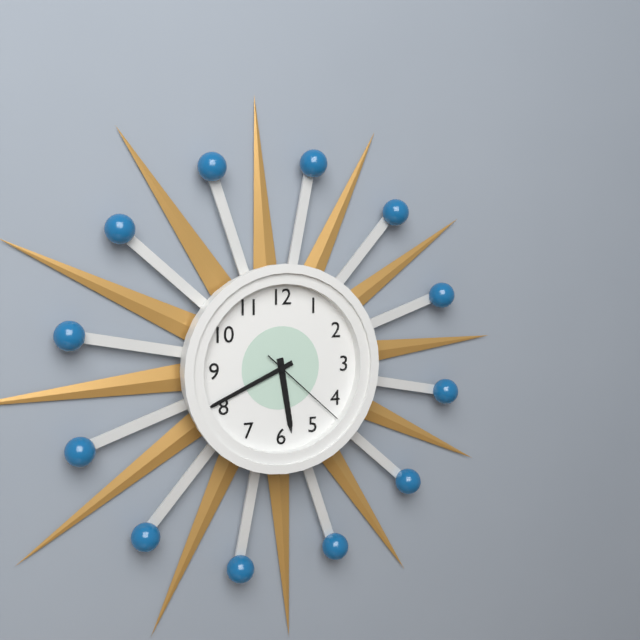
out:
{"hour": 5, "minute": 41, "second": 22}
